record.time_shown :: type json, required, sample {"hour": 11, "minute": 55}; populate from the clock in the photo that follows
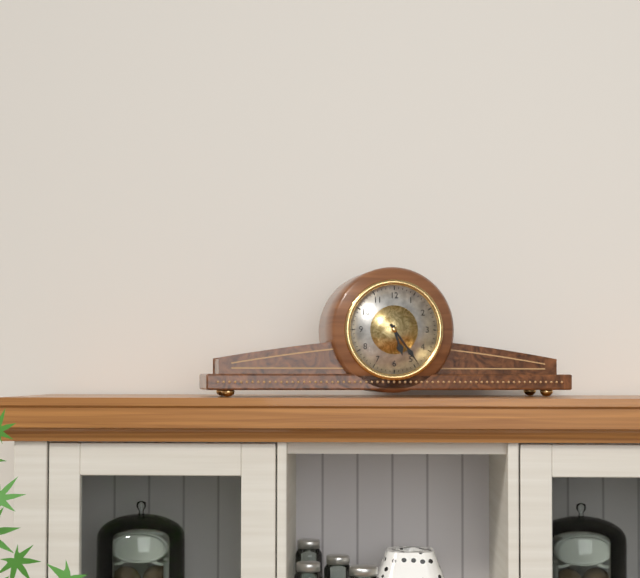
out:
{"hour": 5, "minute": 24}
